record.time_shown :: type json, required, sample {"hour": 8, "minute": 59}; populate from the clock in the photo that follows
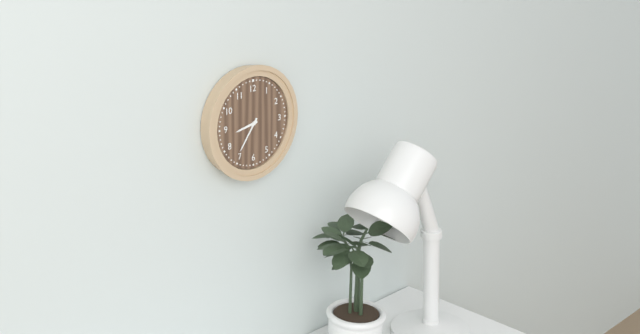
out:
{"hour": 8, "minute": 36}
